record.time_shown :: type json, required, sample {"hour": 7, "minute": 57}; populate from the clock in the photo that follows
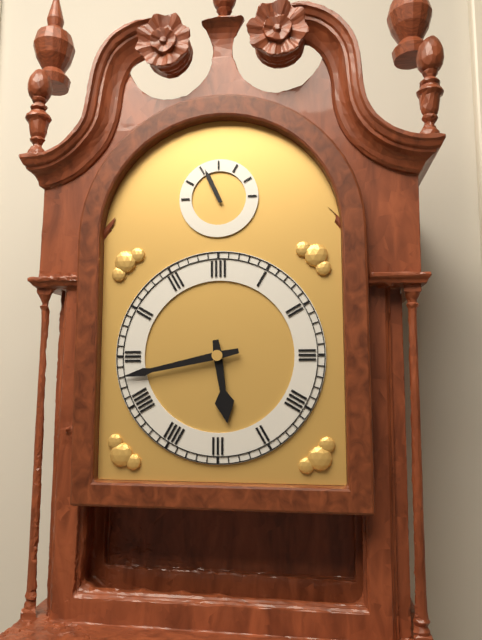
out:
{"hour": 5, "minute": 43}
